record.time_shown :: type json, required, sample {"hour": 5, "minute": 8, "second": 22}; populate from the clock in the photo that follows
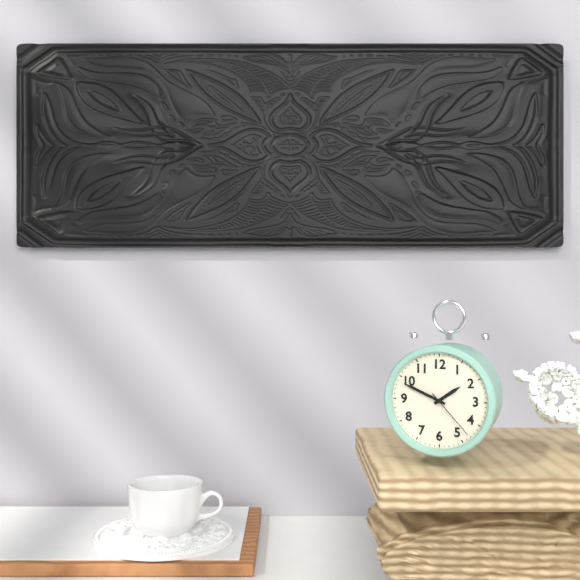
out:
{"hour": 1, "minute": 49, "second": 23}
